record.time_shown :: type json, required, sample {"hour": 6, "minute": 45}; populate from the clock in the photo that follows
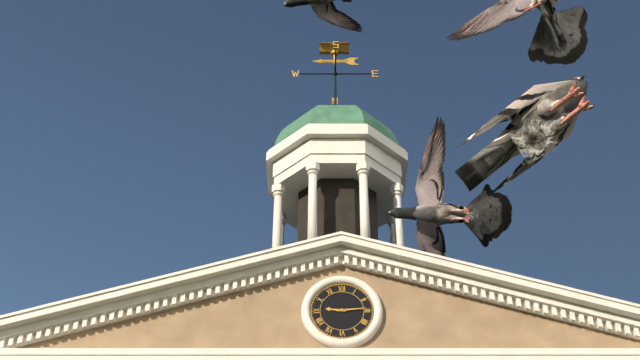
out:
{"hour": 9, "minute": 14}
